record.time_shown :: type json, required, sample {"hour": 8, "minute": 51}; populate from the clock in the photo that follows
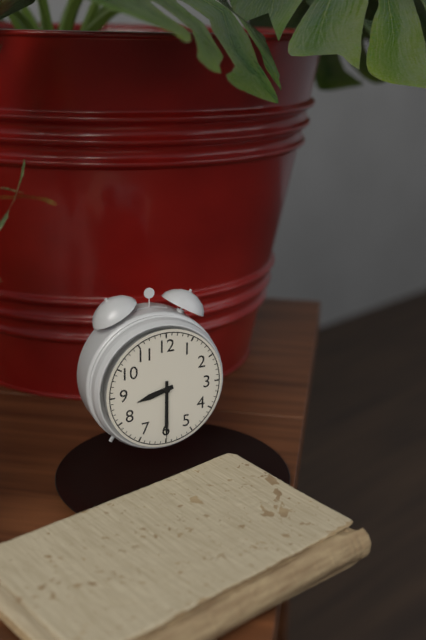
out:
{"hour": 8, "minute": 30}
